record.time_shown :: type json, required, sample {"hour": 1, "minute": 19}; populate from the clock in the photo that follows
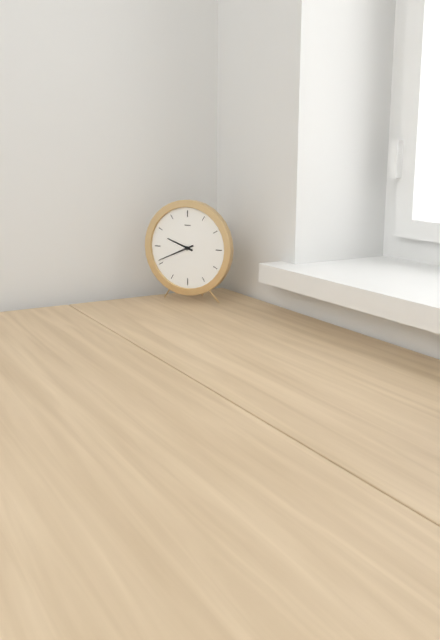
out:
{"hour": 9, "minute": 41}
